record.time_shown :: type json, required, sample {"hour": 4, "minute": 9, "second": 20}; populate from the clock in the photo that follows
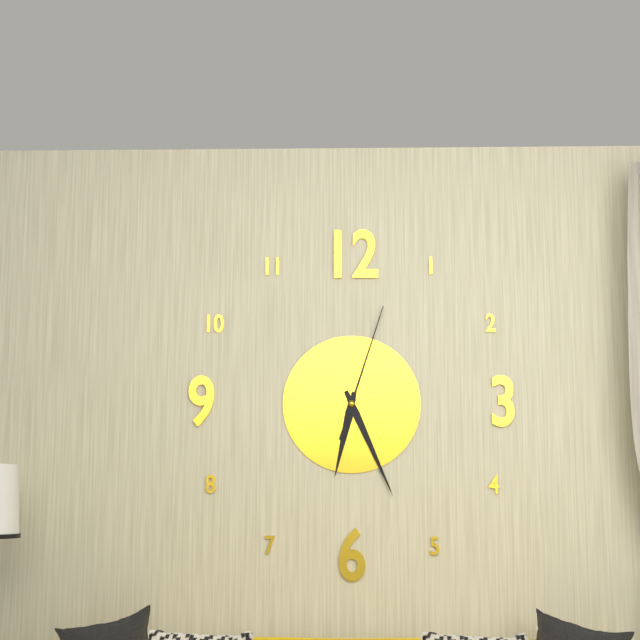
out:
{"hour": 6, "minute": 26, "second": 3}
